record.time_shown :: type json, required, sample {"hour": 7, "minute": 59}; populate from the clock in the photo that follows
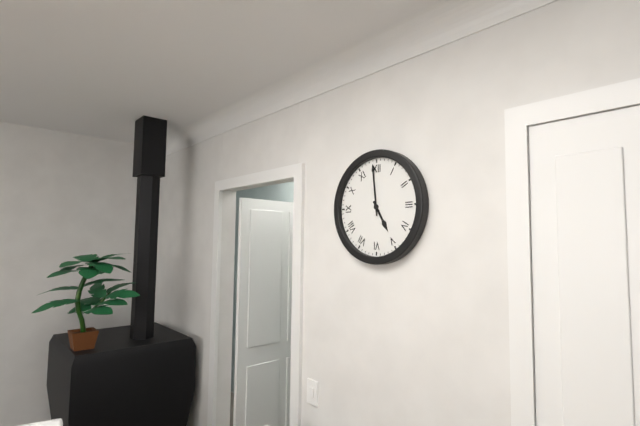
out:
{"hour": 4, "minute": 59}
